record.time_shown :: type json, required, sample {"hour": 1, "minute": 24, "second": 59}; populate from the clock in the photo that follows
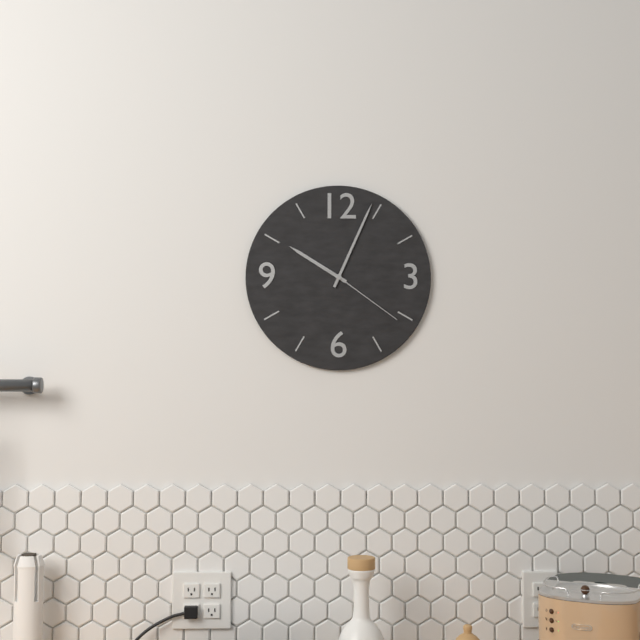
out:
{"hour": 10, "minute": 4, "second": 21}
